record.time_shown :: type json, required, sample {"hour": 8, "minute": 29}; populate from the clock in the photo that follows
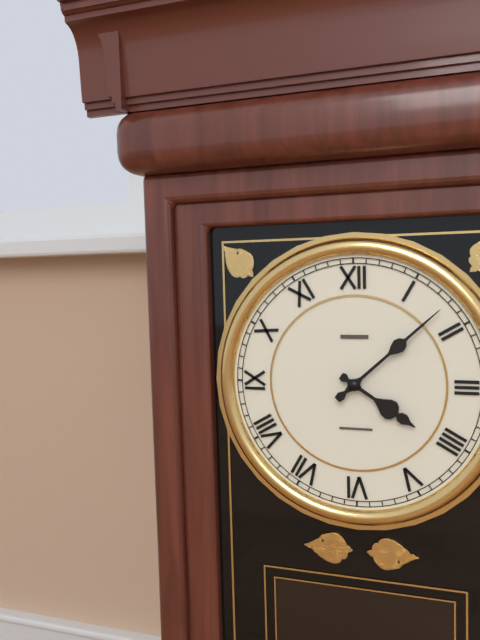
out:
{"hour": 4, "minute": 8}
